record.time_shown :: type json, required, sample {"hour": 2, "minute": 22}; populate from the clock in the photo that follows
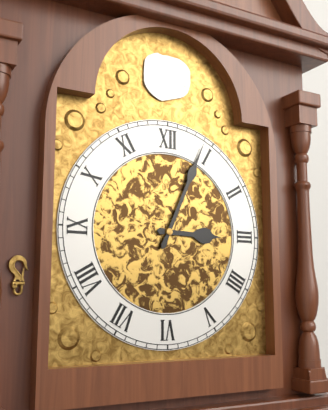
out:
{"hour": 3, "minute": 4}
